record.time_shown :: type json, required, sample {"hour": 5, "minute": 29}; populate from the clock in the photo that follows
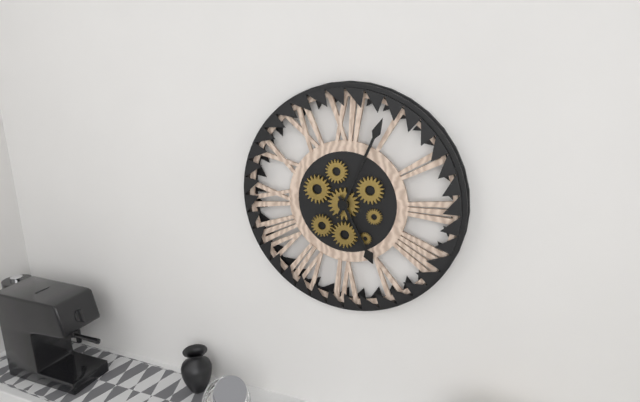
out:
{"hour": 5, "minute": 4}
